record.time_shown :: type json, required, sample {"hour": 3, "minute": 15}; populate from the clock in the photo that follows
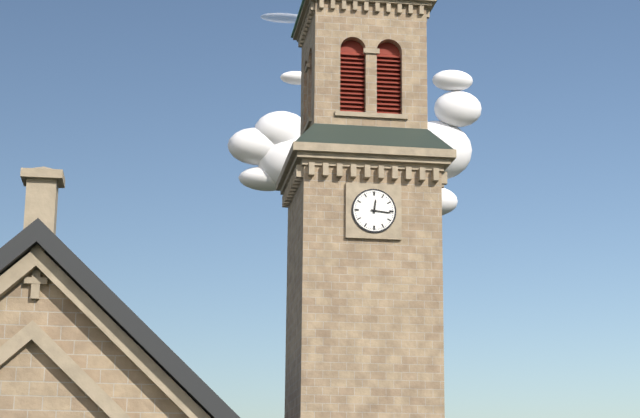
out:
{"hour": 12, "minute": 16}
